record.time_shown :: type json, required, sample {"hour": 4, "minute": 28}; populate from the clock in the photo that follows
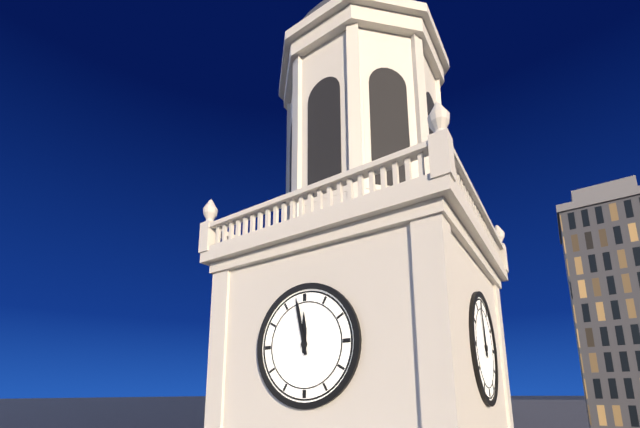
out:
{"hour": 11, "minute": 58}
